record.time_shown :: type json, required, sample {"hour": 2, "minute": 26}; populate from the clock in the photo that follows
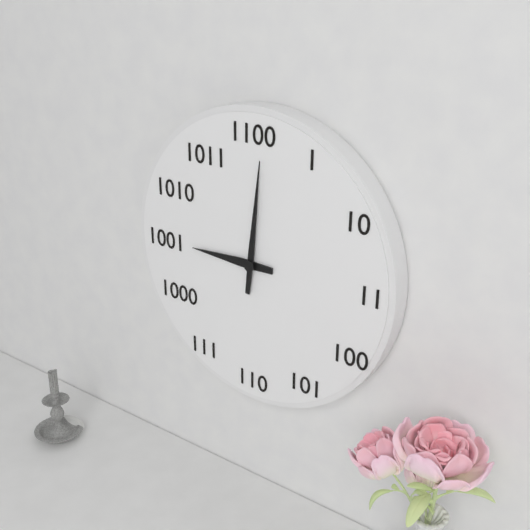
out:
{"hour": 9, "minute": 1}
